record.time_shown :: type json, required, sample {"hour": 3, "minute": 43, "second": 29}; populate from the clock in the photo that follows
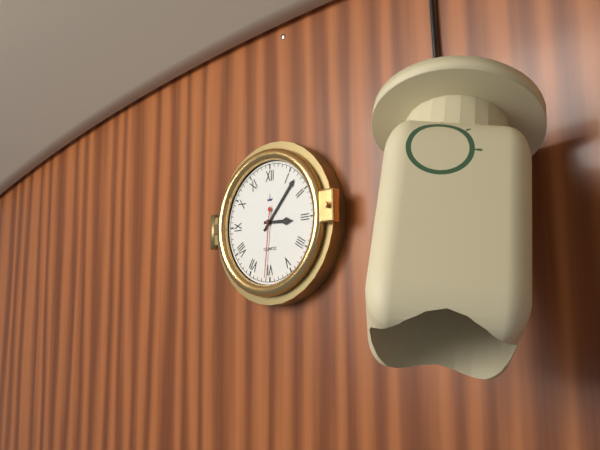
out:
{"hour": 3, "minute": 7, "second": 31}
